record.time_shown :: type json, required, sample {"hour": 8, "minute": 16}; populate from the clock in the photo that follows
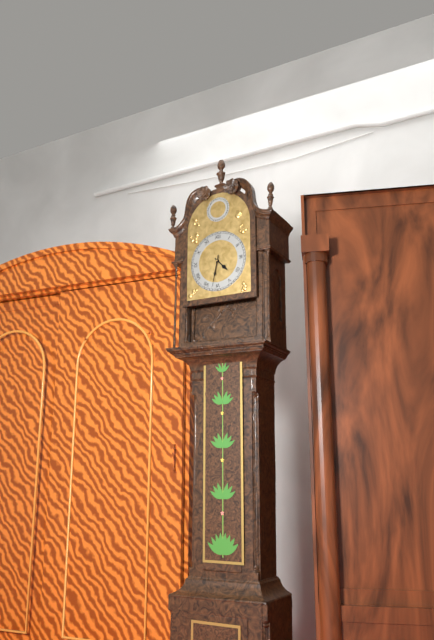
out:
{"hour": 4, "minute": 32}
